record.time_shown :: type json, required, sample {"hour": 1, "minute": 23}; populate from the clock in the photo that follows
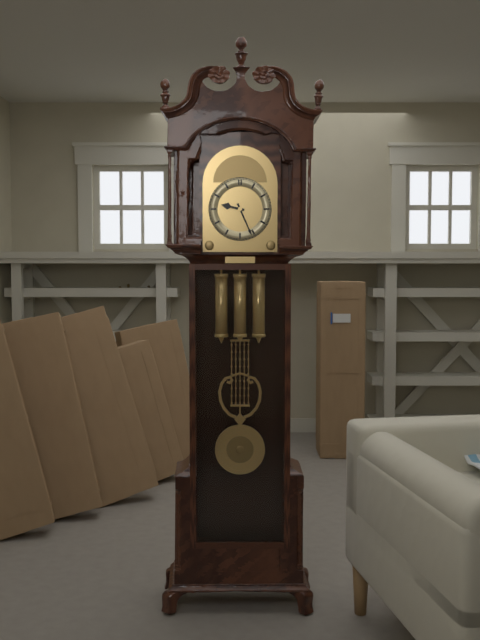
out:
{"hour": 9, "minute": 26}
